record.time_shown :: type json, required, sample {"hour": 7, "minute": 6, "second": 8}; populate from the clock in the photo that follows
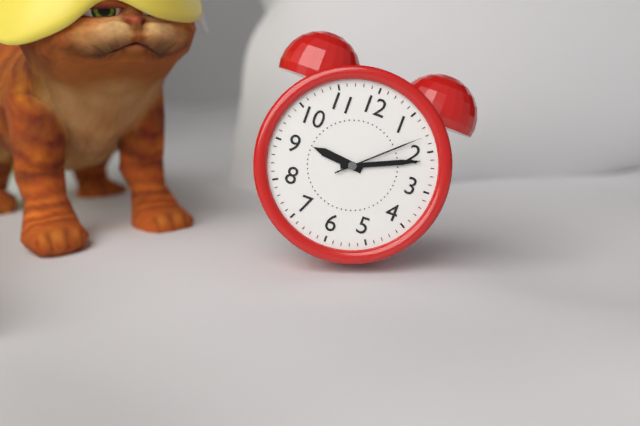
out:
{"hour": 9, "minute": 11, "second": 8}
